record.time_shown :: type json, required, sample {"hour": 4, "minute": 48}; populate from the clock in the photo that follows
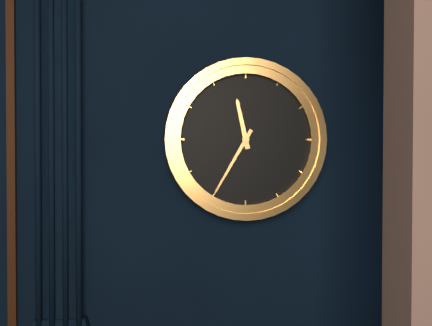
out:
{"hour": 11, "minute": 35}
